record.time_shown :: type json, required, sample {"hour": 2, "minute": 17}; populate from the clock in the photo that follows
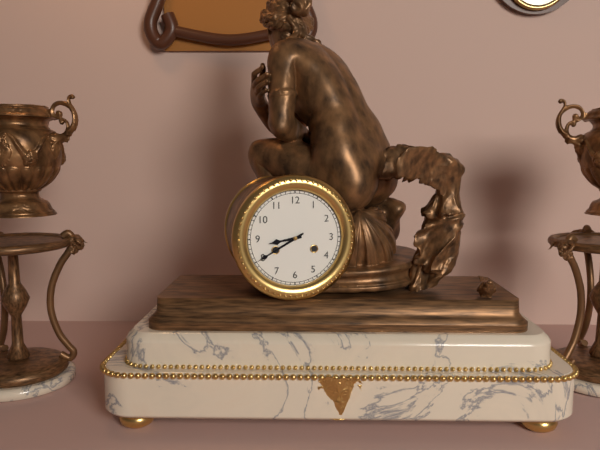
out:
{"hour": 8, "minute": 40}
